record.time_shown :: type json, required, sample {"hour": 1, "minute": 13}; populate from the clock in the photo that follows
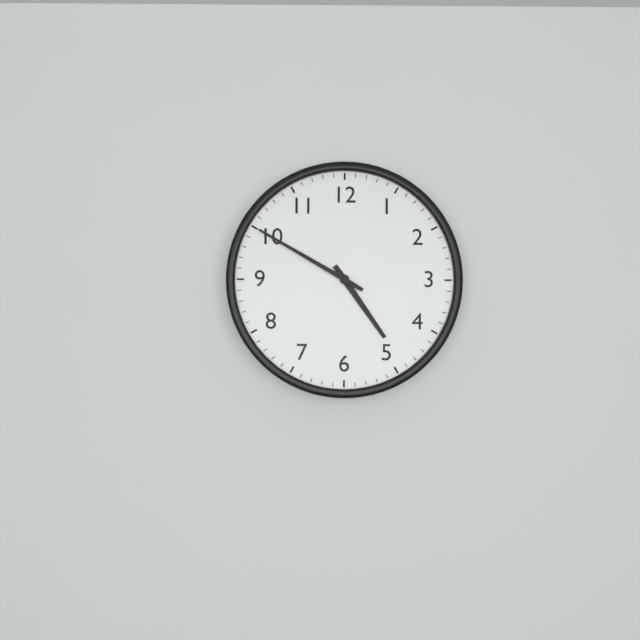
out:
{"hour": 4, "minute": 50}
